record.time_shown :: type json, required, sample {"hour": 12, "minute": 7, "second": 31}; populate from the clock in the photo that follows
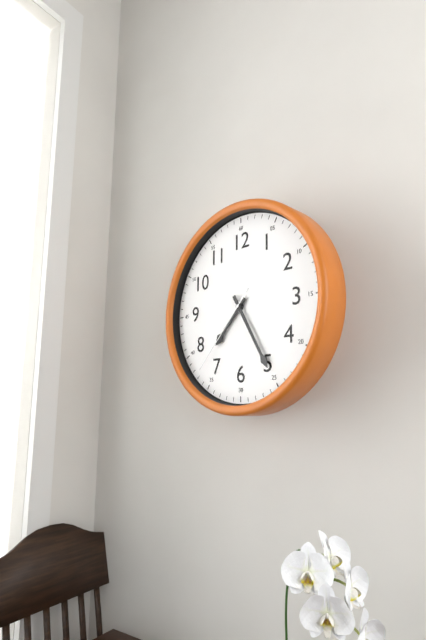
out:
{"hour": 7, "minute": 25, "second": 37}
